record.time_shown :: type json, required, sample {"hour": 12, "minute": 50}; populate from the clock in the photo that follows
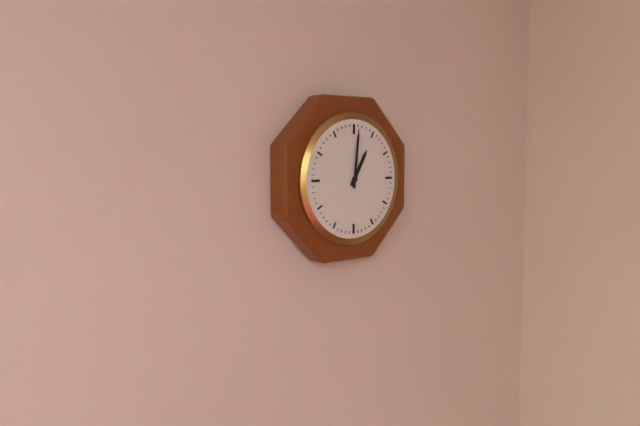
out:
{"hour": 1, "minute": 1}
